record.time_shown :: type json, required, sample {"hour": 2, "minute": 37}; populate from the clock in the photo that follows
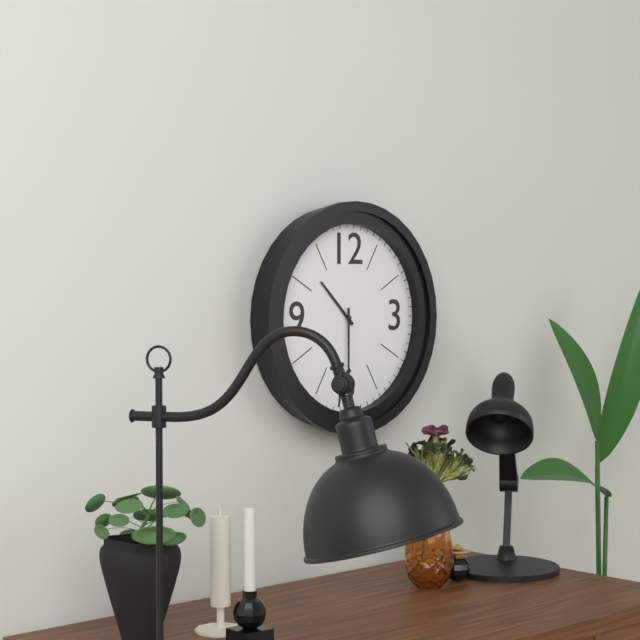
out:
{"hour": 10, "minute": 30}
